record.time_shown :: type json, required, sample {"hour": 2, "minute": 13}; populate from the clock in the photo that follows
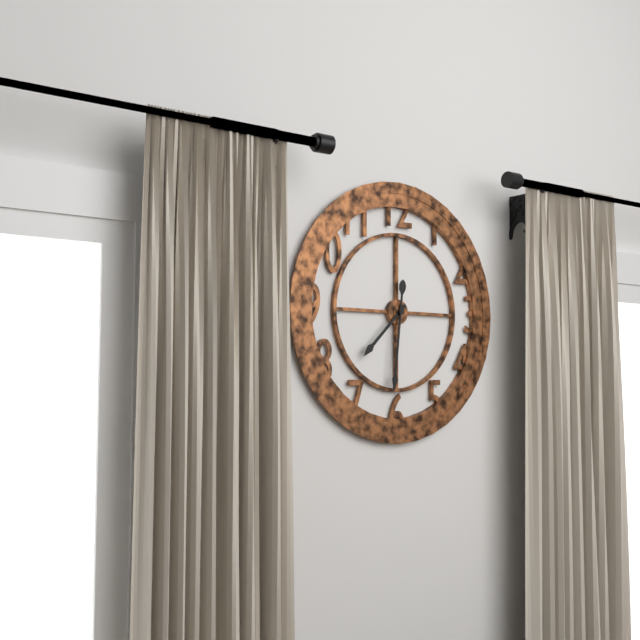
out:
{"hour": 7, "minute": 31}
